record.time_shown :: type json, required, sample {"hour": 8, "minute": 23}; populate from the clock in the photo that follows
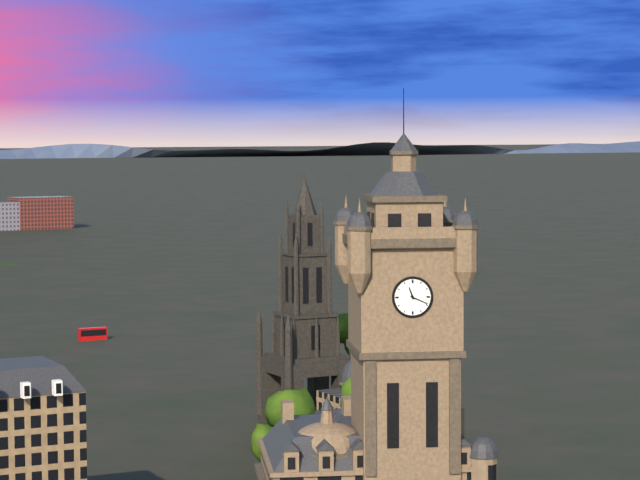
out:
{"hour": 11, "minute": 19}
